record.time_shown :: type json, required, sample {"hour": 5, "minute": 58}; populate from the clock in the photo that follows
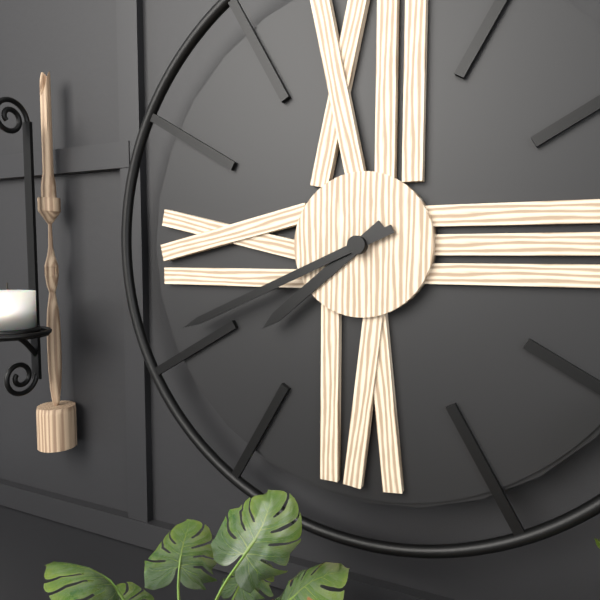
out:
{"hour": 7, "minute": 41}
